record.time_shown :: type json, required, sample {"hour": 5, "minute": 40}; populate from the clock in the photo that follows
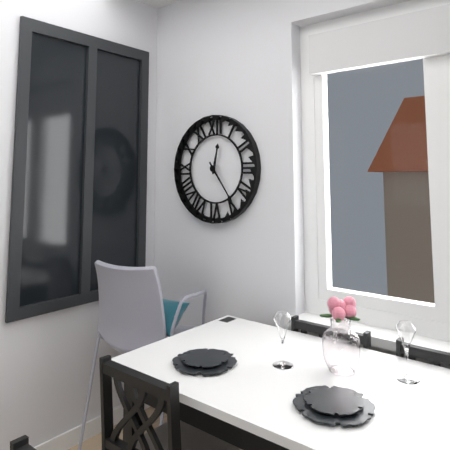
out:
{"hour": 12, "minute": 24}
